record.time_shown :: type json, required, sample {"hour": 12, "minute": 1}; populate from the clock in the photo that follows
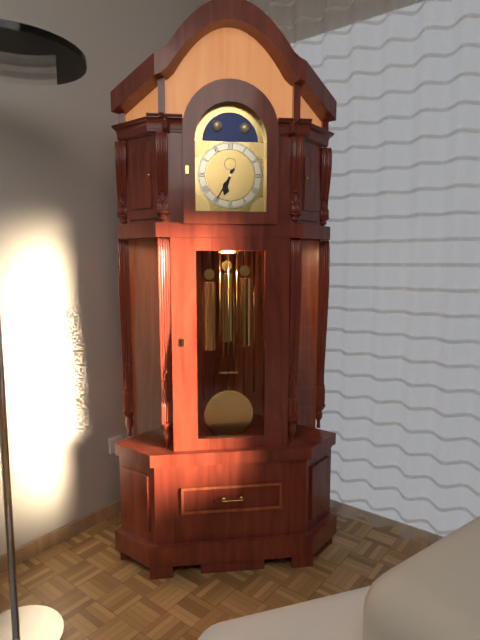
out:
{"hour": 6, "minute": 35}
